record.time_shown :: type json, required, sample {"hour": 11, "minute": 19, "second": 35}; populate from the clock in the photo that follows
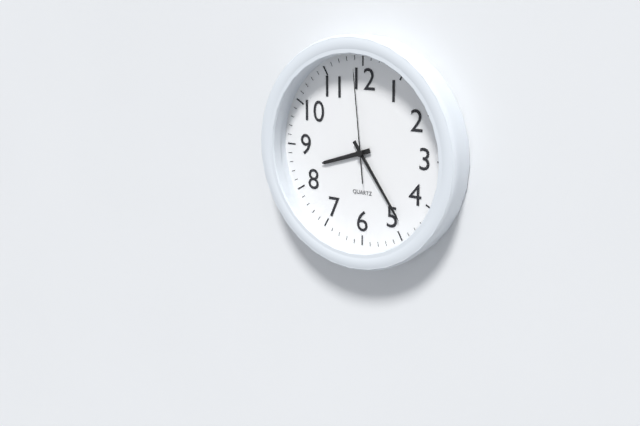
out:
{"hour": 8, "minute": 24, "second": 59}
